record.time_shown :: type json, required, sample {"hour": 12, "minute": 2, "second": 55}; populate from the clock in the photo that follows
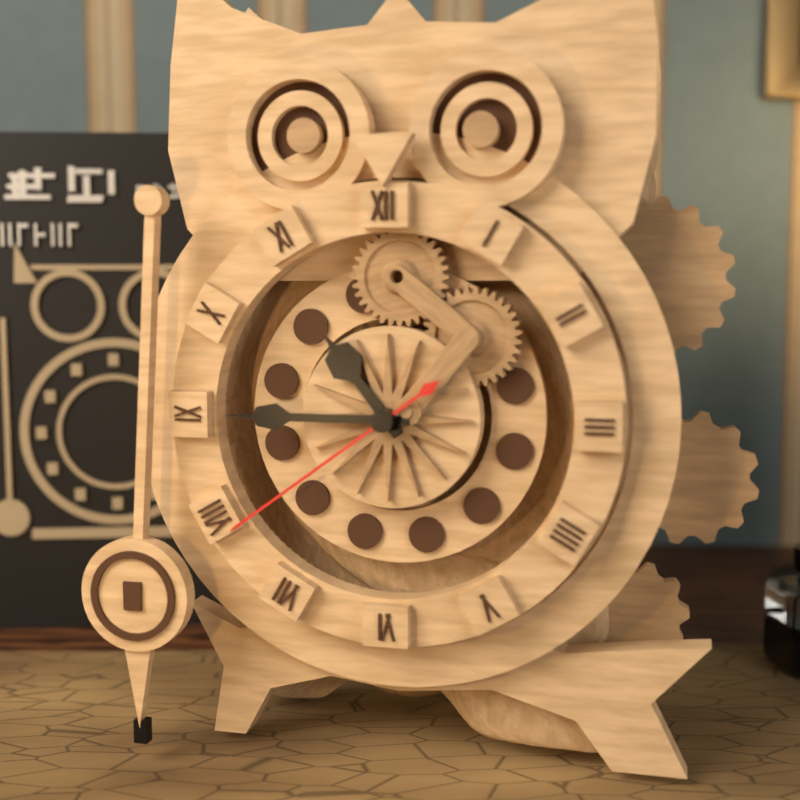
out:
{"hour": 10, "minute": 45, "second": 39}
